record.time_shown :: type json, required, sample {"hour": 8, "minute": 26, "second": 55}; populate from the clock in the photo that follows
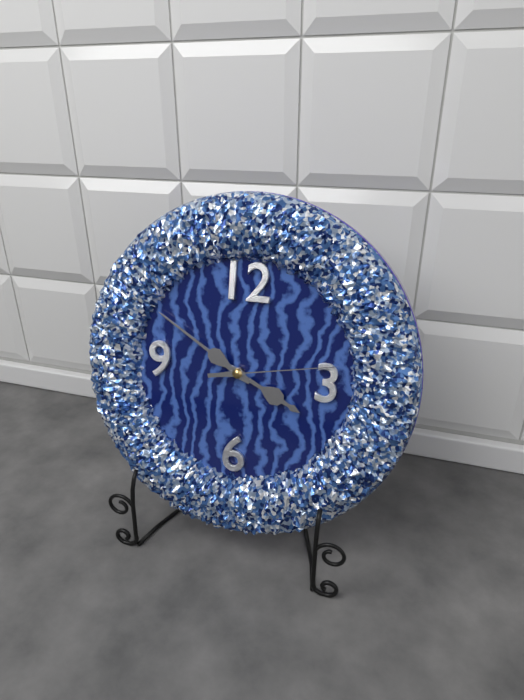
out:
{"hour": 3, "minute": 50, "second": 13}
